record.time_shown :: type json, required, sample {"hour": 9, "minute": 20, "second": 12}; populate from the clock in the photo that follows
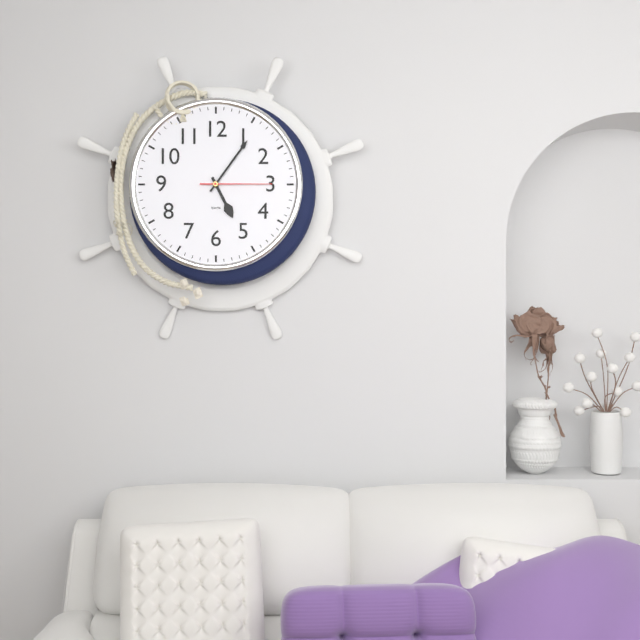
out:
{"hour": 5, "minute": 6, "second": 15}
